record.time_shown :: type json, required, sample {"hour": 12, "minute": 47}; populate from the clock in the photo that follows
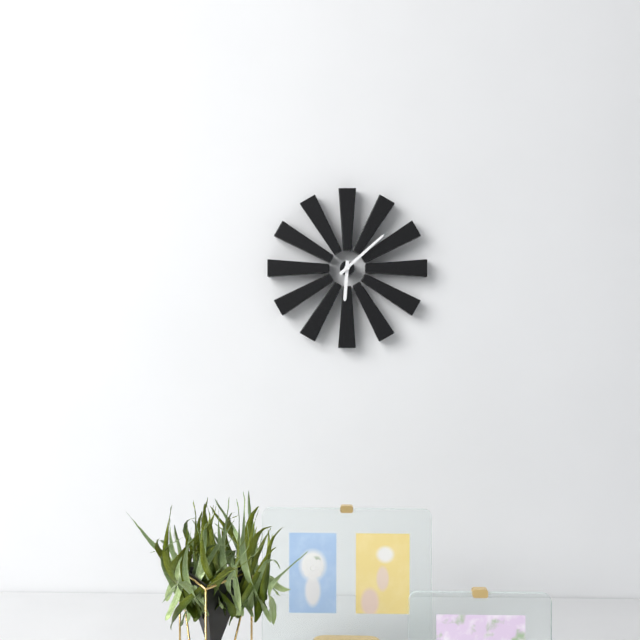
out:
{"hour": 6, "minute": 8}
